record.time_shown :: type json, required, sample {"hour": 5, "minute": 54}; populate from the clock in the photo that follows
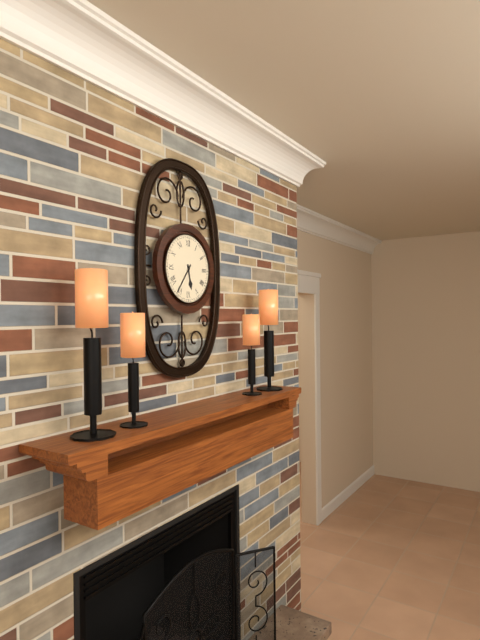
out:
{"hour": 5, "minute": 36}
